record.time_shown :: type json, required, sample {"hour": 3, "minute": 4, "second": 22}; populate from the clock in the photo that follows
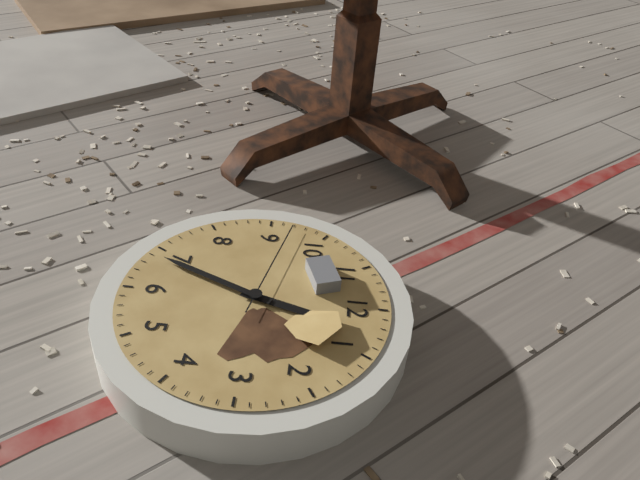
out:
{"hour": 12, "minute": 34, "second": 47}
